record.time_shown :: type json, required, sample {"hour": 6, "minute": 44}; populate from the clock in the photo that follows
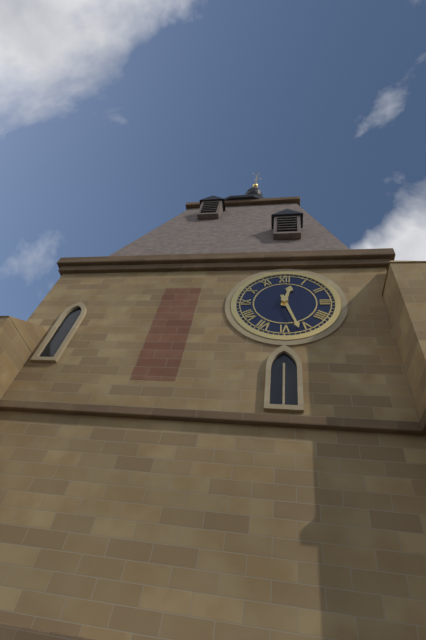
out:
{"hour": 12, "minute": 27}
